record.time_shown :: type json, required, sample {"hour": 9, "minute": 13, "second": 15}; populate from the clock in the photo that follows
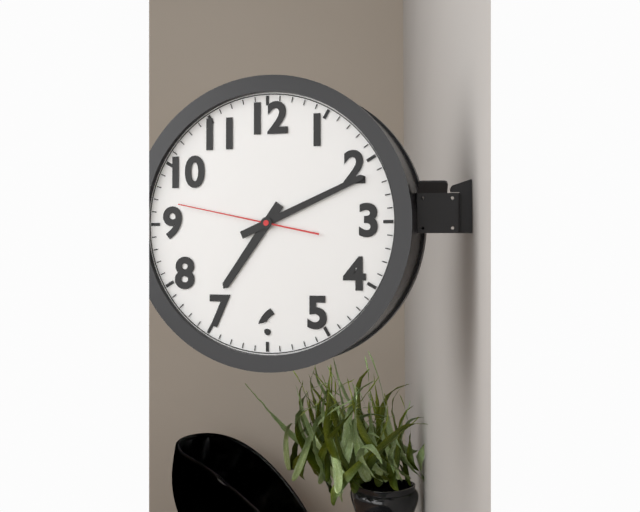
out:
{"hour": 7, "minute": 11, "second": 47}
